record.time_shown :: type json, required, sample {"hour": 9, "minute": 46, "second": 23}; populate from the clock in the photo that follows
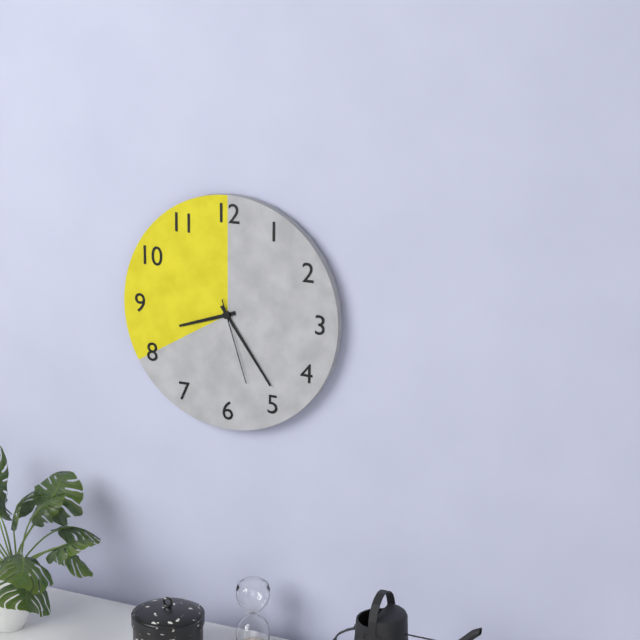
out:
{"hour": 8, "minute": 24, "second": 27}
